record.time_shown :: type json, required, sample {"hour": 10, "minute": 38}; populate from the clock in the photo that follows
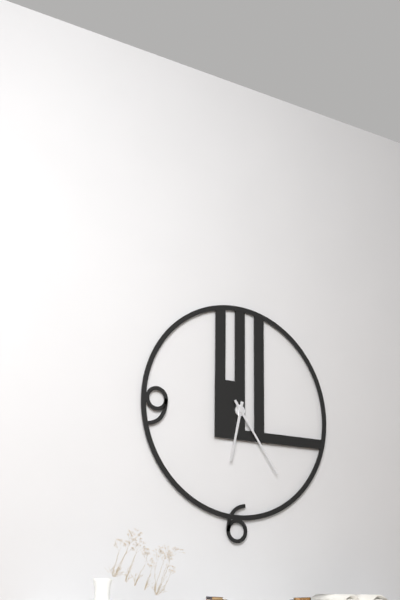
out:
{"hour": 6, "minute": 24}
